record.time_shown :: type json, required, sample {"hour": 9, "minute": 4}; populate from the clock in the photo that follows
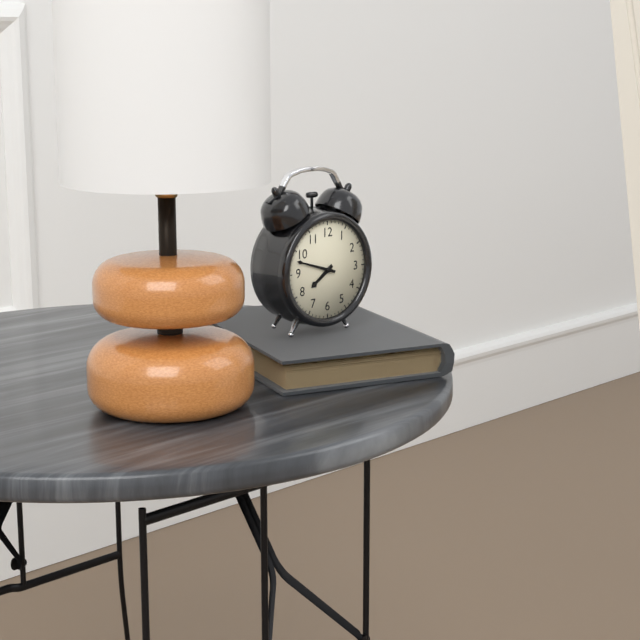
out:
{"hour": 7, "minute": 48}
